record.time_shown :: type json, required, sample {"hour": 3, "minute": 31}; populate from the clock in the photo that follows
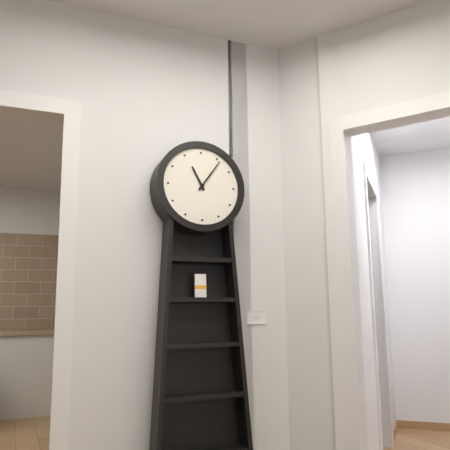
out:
{"hour": 11, "minute": 6}
